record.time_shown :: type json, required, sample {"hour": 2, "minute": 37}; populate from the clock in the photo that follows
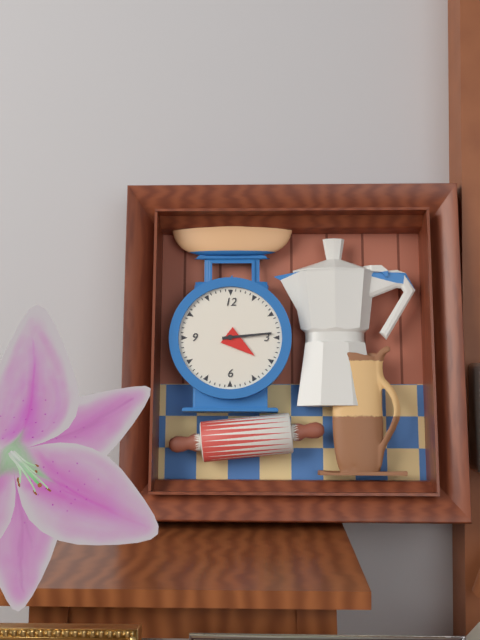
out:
{"hour": 4, "minute": 14}
